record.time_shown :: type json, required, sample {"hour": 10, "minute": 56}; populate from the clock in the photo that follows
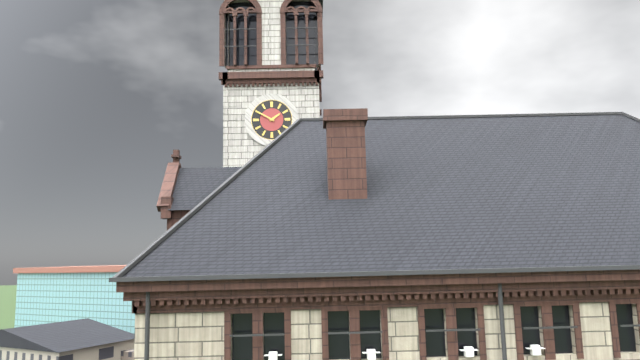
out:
{"hour": 1, "minute": 50}
